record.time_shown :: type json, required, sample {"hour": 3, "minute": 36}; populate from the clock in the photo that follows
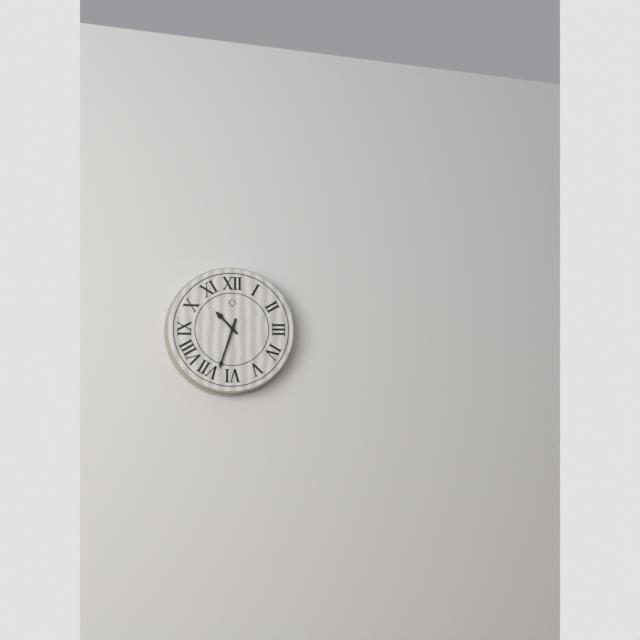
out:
{"hour": 10, "minute": 33}
